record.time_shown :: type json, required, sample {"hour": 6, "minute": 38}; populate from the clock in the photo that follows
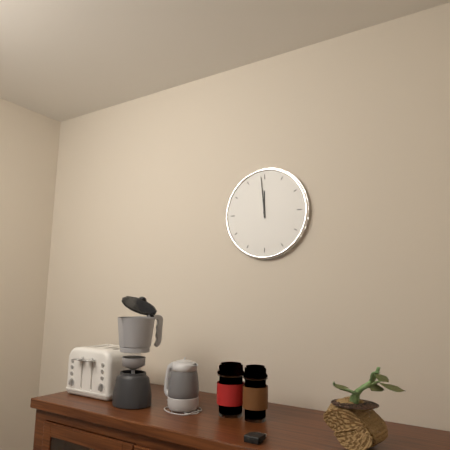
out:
{"hour": 11, "minute": 59}
